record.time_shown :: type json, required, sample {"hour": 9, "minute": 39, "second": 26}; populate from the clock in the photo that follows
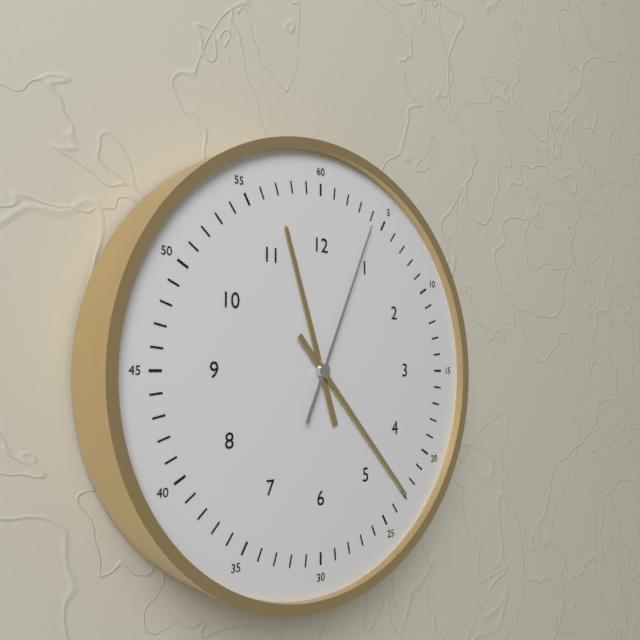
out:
{"hour": 11, "minute": 23, "second": 4}
